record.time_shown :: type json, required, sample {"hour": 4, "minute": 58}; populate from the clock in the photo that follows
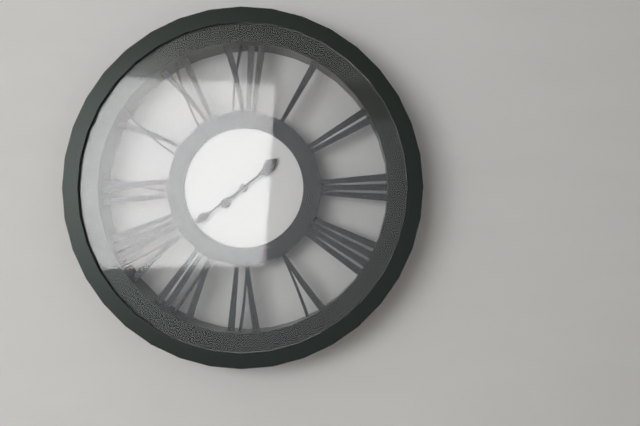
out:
{"hour": 1, "minute": 39}
